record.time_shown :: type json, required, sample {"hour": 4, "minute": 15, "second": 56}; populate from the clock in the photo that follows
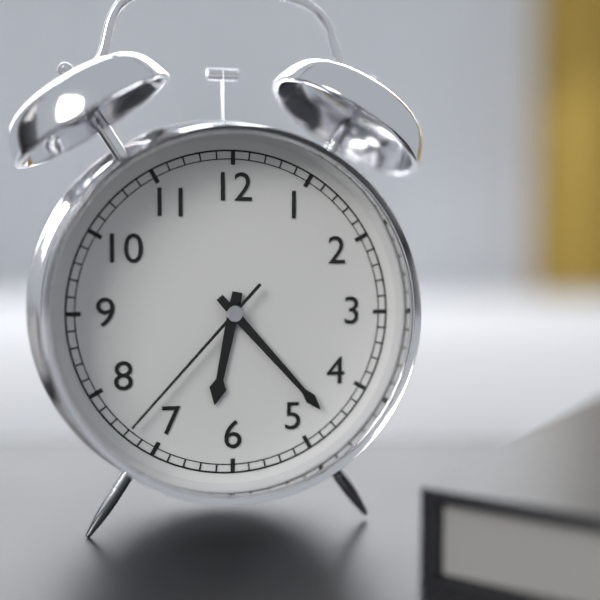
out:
{"hour": 6, "minute": 23, "second": 37}
